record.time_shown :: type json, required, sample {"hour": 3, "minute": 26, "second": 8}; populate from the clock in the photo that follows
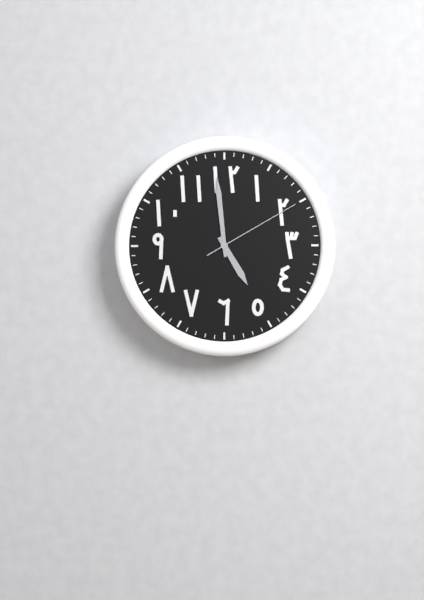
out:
{"hour": 4, "minute": 59, "second": 10}
